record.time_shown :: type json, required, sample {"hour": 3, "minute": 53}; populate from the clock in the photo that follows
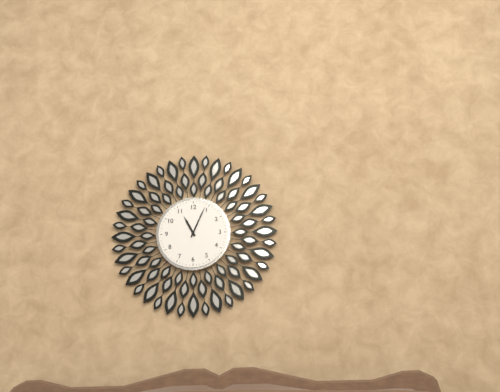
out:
{"hour": 11, "minute": 4}
